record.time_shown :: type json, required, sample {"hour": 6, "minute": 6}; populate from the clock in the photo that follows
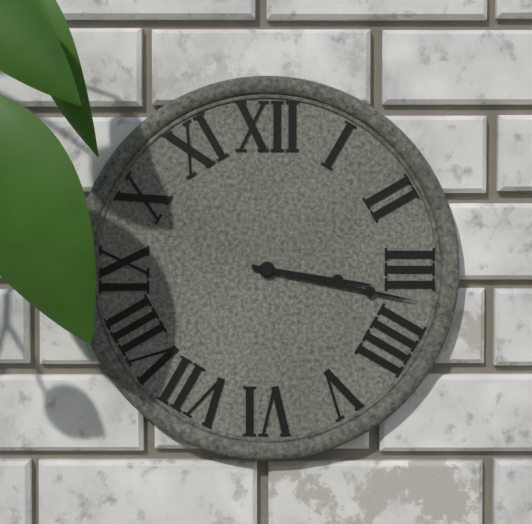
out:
{"hour": 3, "minute": 17}
